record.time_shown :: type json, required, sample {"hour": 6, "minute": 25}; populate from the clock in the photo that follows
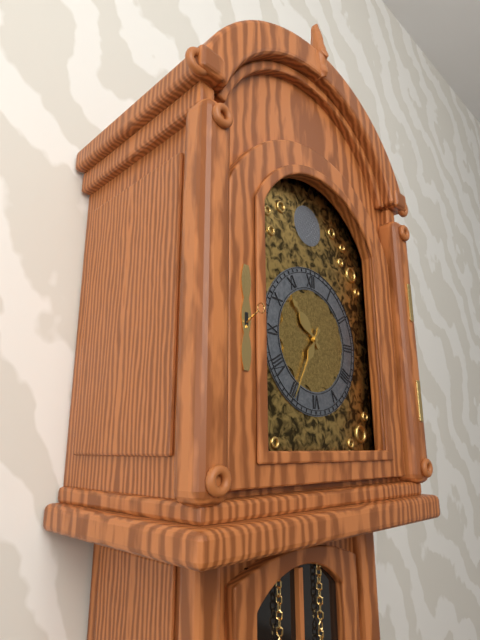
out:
{"hour": 10, "minute": 35}
